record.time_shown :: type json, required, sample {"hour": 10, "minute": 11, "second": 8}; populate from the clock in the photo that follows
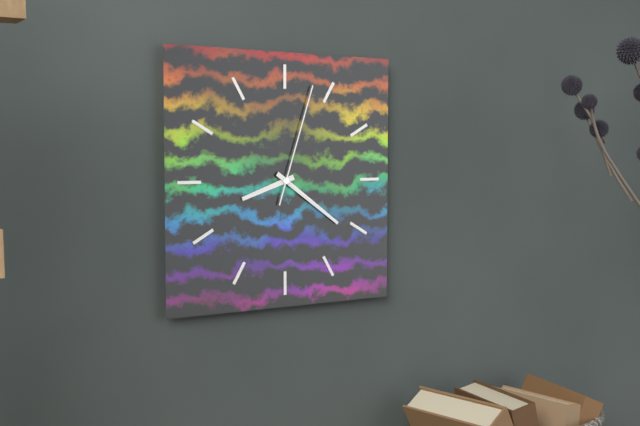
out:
{"hour": 8, "minute": 21, "second": 3}
